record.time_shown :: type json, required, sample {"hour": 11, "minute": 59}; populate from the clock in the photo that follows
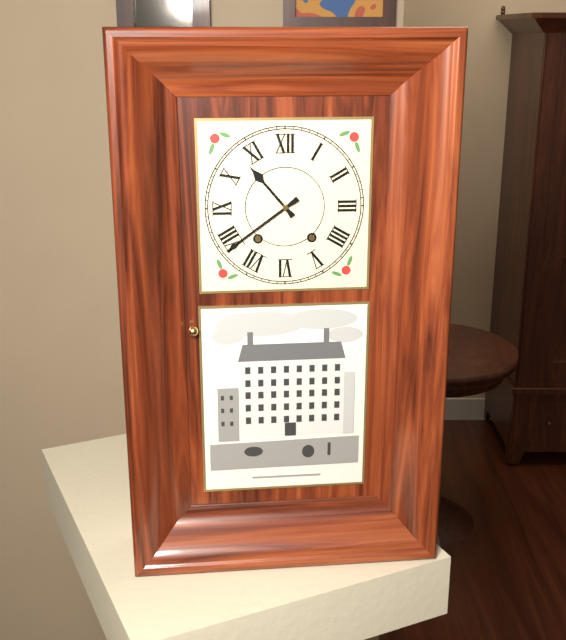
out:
{"hour": 10, "minute": 39}
